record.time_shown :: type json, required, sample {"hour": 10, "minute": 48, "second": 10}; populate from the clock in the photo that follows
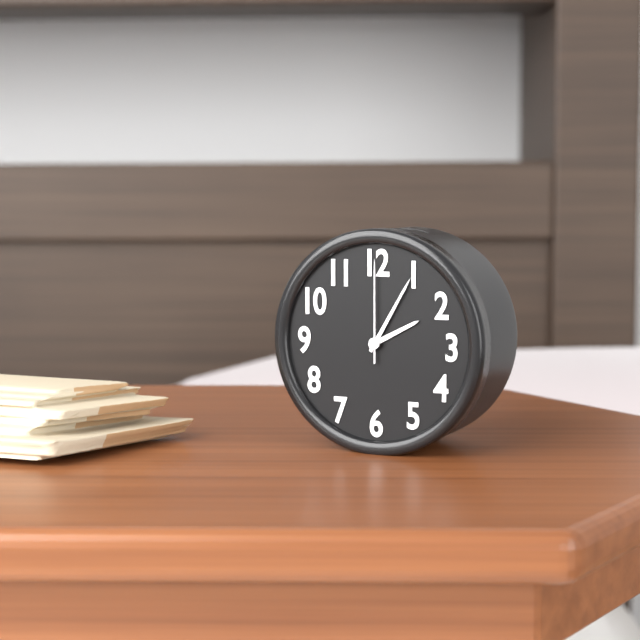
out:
{"hour": 2, "minute": 5, "second": 0}
